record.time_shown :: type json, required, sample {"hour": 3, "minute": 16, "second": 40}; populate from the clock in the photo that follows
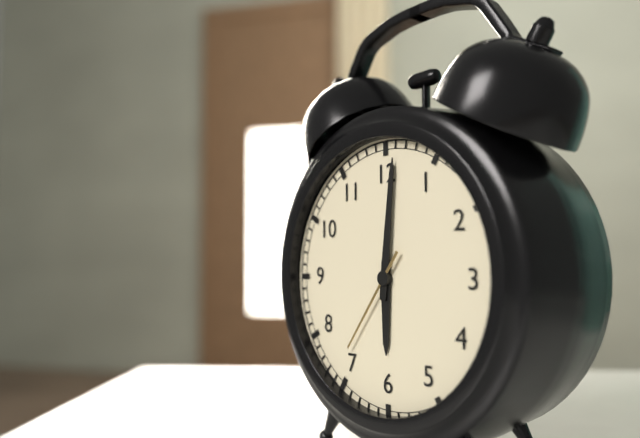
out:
{"hour": 6, "minute": 1, "second": 36}
